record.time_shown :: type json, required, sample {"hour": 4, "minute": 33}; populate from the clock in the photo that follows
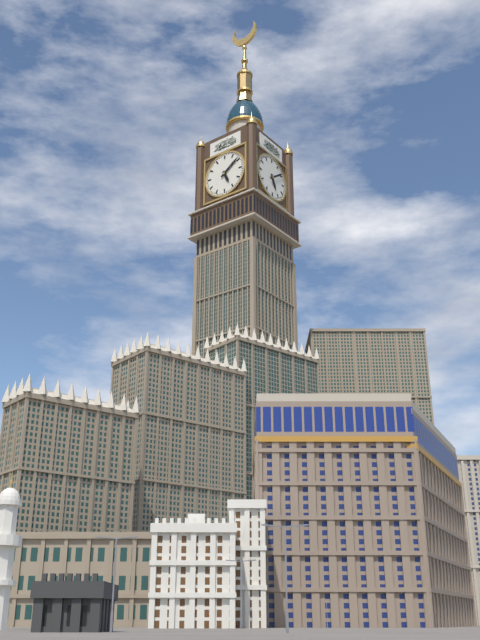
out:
{"hour": 5, "minute": 9}
